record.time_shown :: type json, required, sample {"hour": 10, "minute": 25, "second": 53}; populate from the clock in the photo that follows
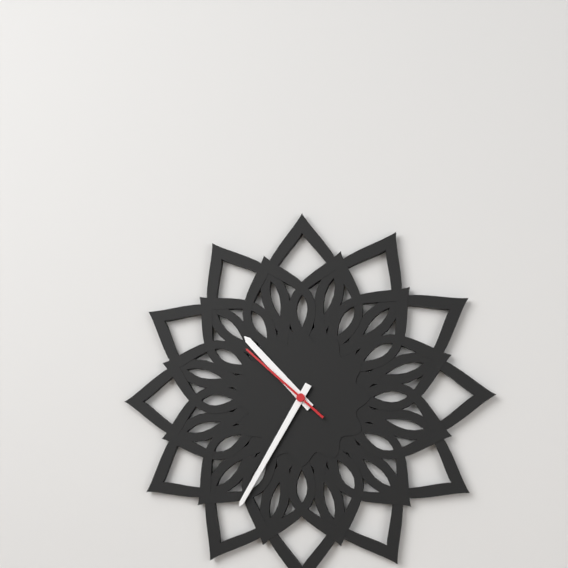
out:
{"hour": 10, "minute": 35, "second": 52}
